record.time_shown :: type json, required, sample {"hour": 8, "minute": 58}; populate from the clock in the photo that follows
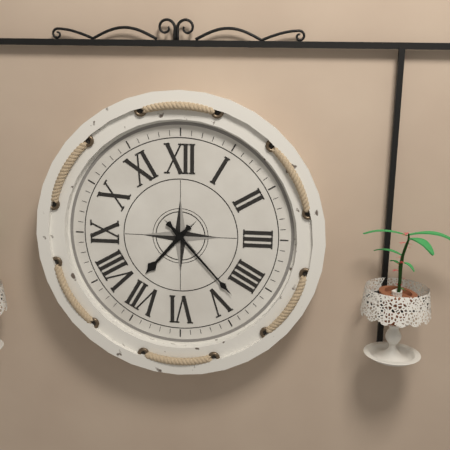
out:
{"hour": 7, "minute": 23}
